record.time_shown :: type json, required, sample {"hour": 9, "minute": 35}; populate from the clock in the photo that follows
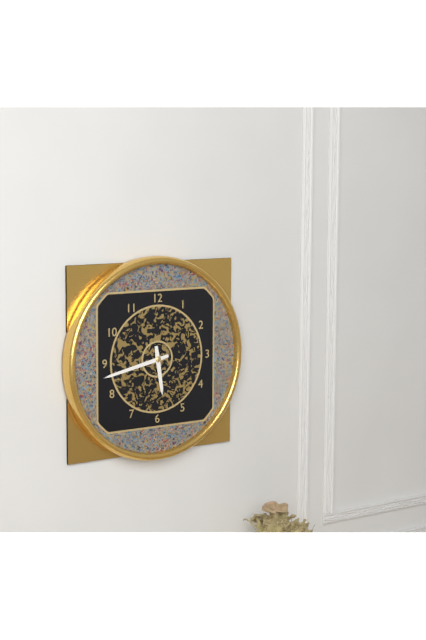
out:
{"hour": 5, "minute": 43}
